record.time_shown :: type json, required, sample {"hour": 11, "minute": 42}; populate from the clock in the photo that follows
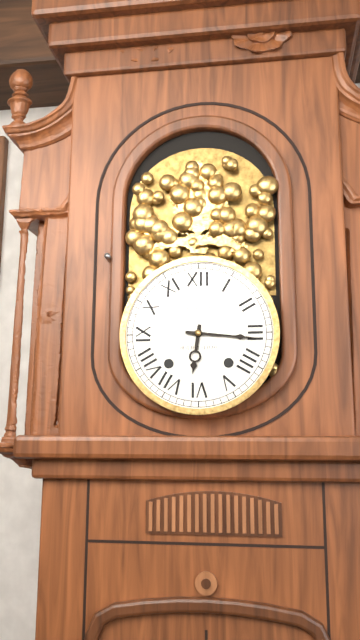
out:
{"hour": 6, "minute": 16}
